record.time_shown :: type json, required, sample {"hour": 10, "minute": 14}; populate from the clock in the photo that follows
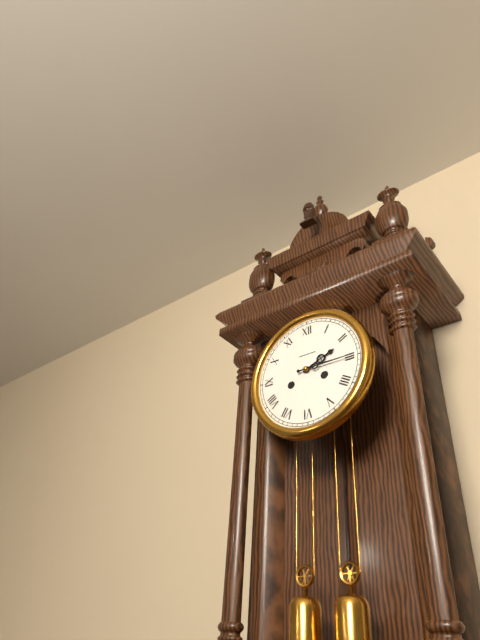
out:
{"hour": 2, "minute": 15}
